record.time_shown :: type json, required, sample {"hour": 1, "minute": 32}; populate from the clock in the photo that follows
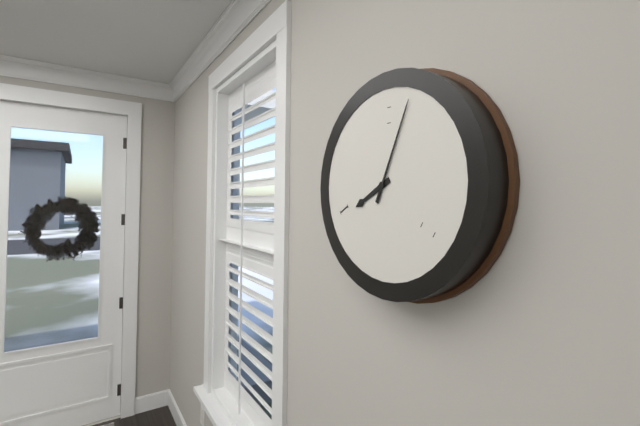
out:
{"hour": 8, "minute": 4}
